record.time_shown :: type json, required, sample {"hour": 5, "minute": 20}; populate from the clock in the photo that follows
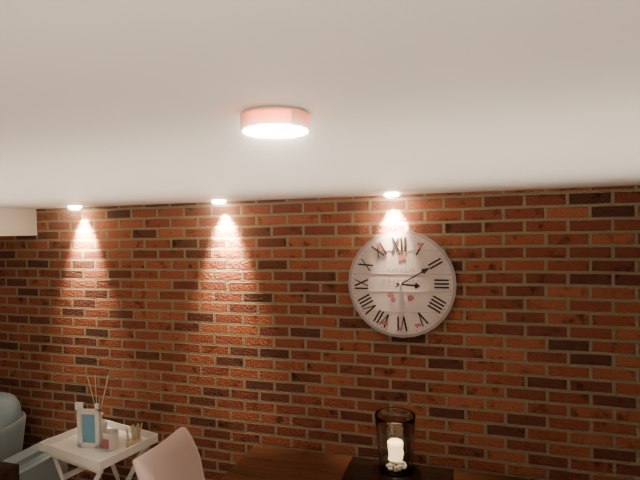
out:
{"hour": 3, "minute": 10}
